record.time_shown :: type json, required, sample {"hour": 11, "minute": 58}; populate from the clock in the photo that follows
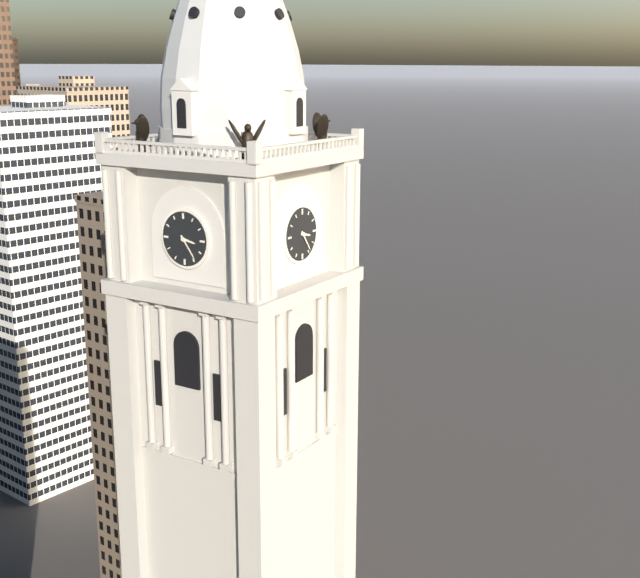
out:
{"hour": 3, "minute": 24}
